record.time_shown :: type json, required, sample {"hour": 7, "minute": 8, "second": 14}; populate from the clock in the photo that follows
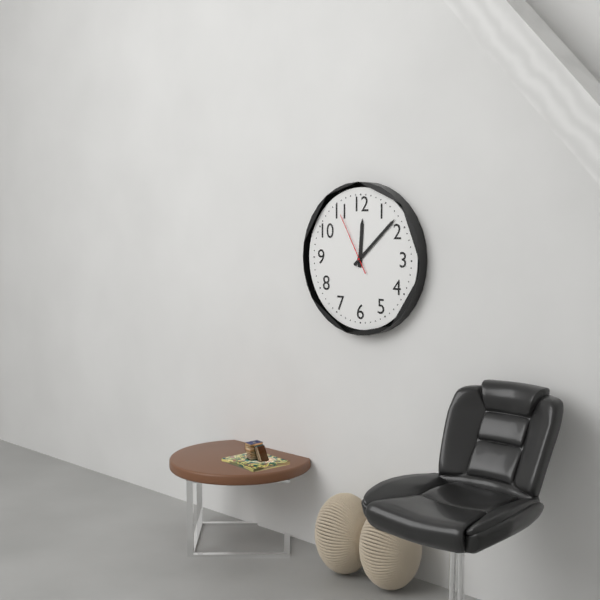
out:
{"hour": 12, "minute": 8, "second": 55}
